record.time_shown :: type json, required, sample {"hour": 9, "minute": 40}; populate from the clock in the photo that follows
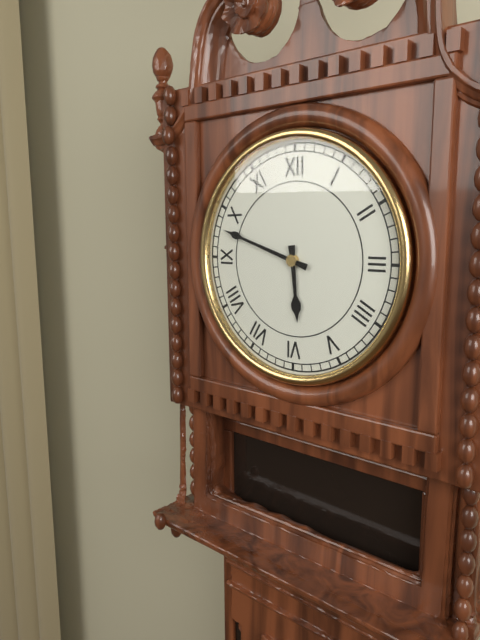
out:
{"hour": 5, "minute": 48}
